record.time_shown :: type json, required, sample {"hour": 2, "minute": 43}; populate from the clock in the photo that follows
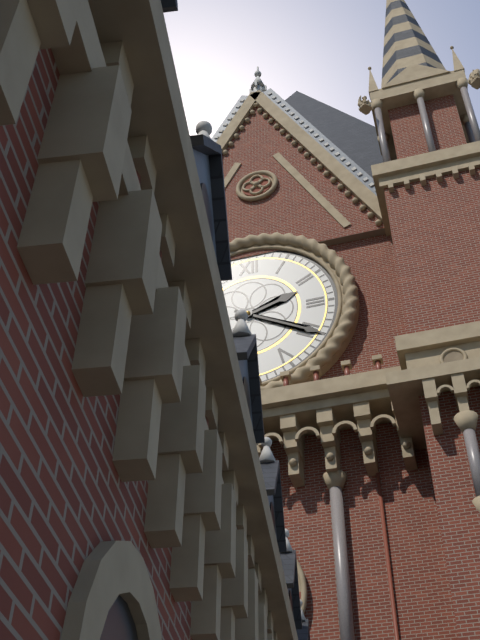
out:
{"hour": 2, "minute": 20}
